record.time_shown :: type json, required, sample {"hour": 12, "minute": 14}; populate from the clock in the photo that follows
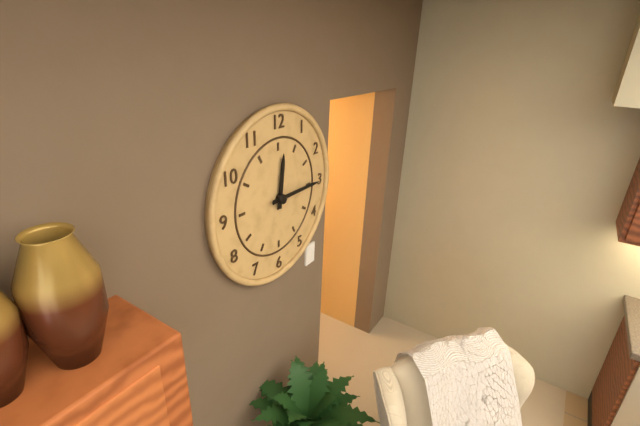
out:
{"hour": 12, "minute": 15}
